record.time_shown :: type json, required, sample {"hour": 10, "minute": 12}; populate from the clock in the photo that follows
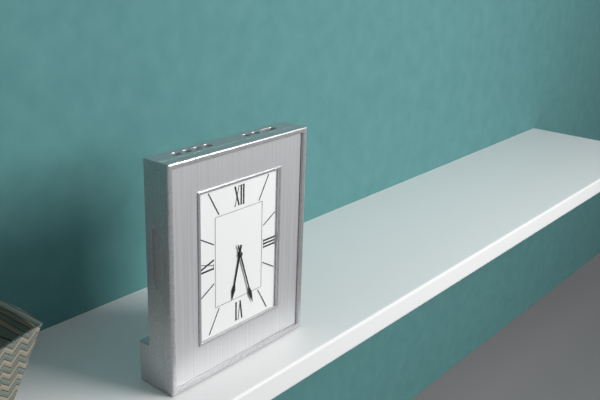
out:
{"hour": 6, "minute": 27}
